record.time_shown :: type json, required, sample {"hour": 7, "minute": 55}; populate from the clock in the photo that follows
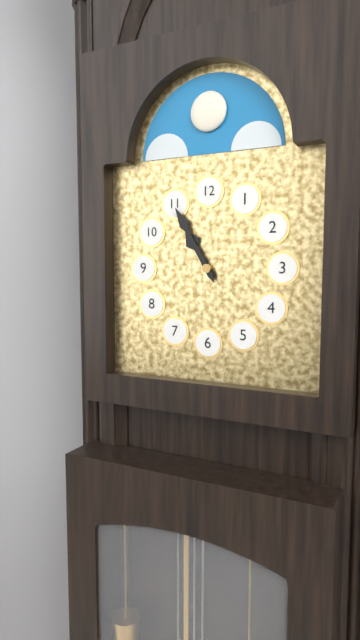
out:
{"hour": 10, "minute": 55}
